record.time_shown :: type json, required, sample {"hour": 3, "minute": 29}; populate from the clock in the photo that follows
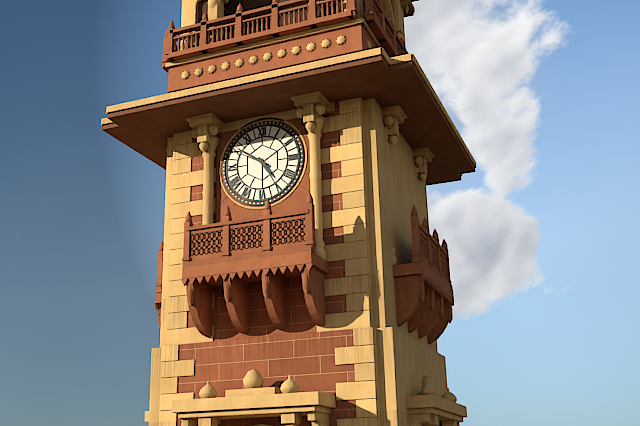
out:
{"hour": 4, "minute": 51}
